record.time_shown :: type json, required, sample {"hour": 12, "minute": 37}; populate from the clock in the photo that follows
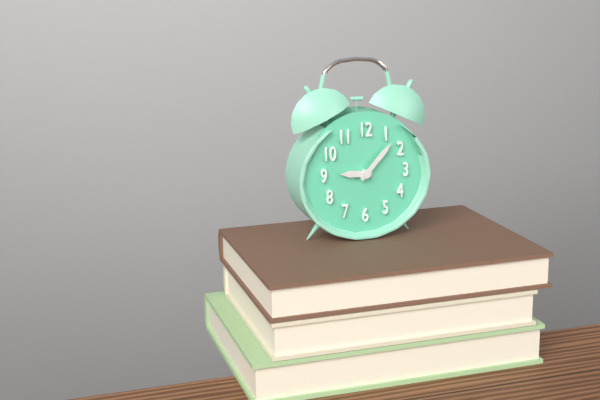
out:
{"hour": 9, "minute": 7}
